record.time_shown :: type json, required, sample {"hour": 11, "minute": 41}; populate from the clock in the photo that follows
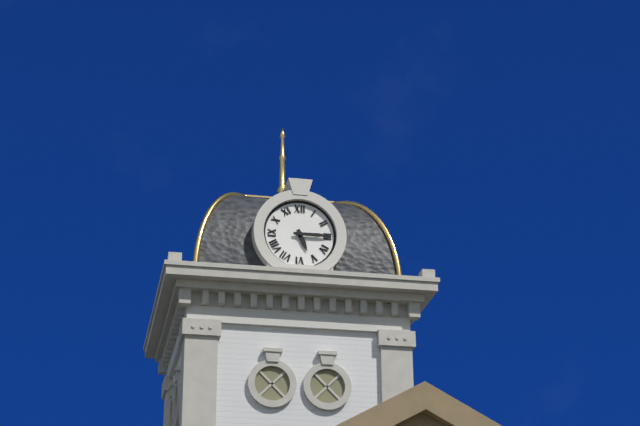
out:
{"hour": 5, "minute": 15}
